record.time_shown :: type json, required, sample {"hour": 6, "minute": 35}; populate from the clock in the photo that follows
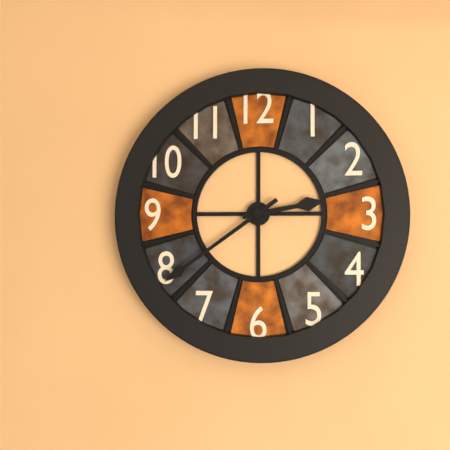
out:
{"hour": 2, "minute": 39}
